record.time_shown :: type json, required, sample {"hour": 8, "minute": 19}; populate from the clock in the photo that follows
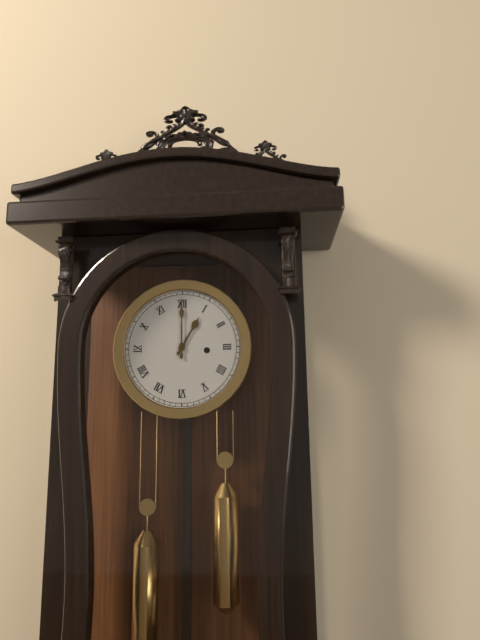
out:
{"hour": 1, "minute": 0}
